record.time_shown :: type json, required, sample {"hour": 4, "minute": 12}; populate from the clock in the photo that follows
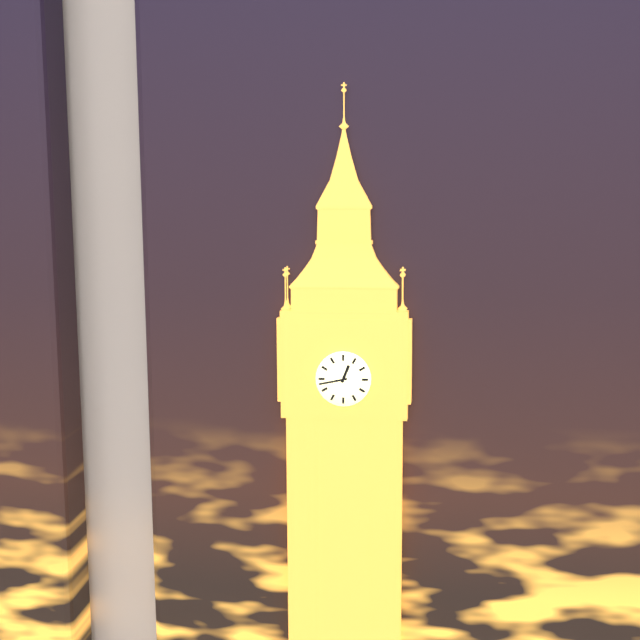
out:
{"hour": 12, "minute": 43}
